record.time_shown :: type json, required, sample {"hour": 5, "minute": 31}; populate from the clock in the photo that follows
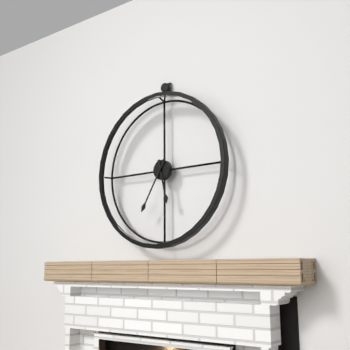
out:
{"hour": 5, "minute": 35}
